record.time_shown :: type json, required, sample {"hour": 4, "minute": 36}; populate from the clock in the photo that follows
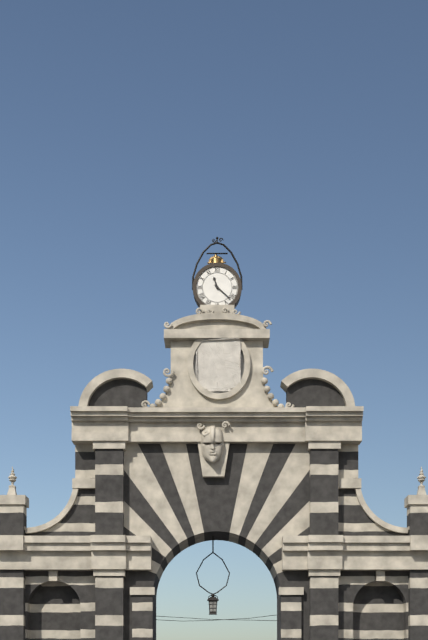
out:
{"hour": 11, "minute": 22}
